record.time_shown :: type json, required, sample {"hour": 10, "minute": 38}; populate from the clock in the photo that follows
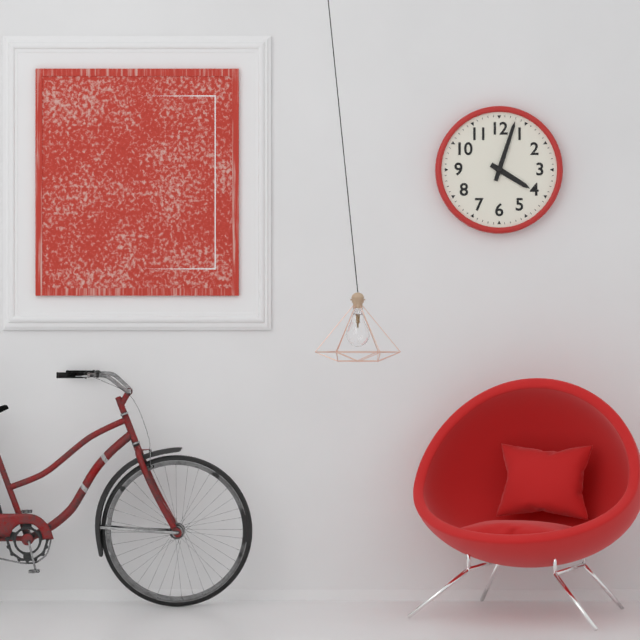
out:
{"hour": 4, "minute": 3}
